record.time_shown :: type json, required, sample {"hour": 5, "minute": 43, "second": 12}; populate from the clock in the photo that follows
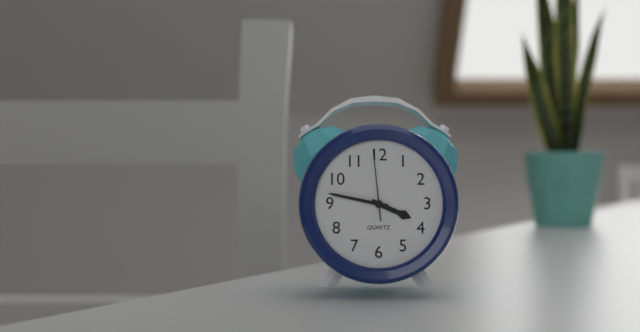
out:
{"hour": 3, "minute": 47, "second": 59}
